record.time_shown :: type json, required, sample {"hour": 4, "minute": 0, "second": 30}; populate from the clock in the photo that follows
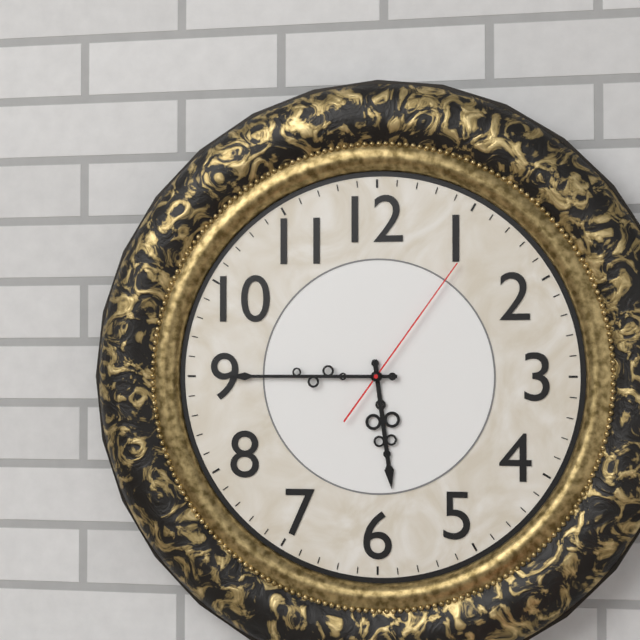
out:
{"hour": 5, "minute": 45, "second": 6}
